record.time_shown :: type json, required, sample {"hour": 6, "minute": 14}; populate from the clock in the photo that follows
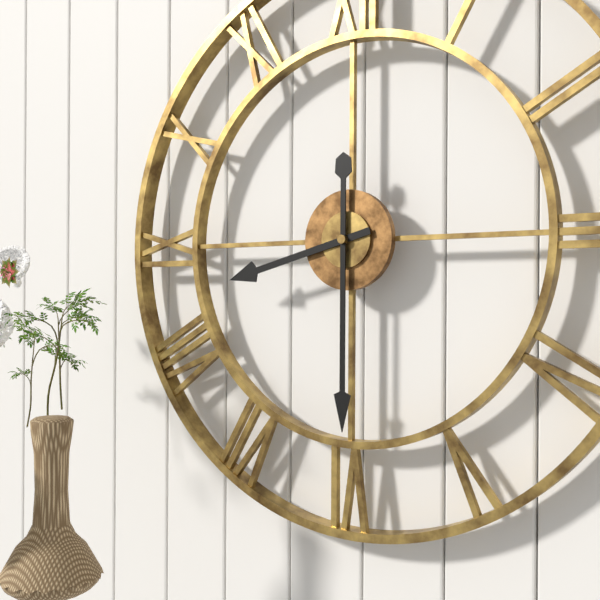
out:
{"hour": 8, "minute": 30}
